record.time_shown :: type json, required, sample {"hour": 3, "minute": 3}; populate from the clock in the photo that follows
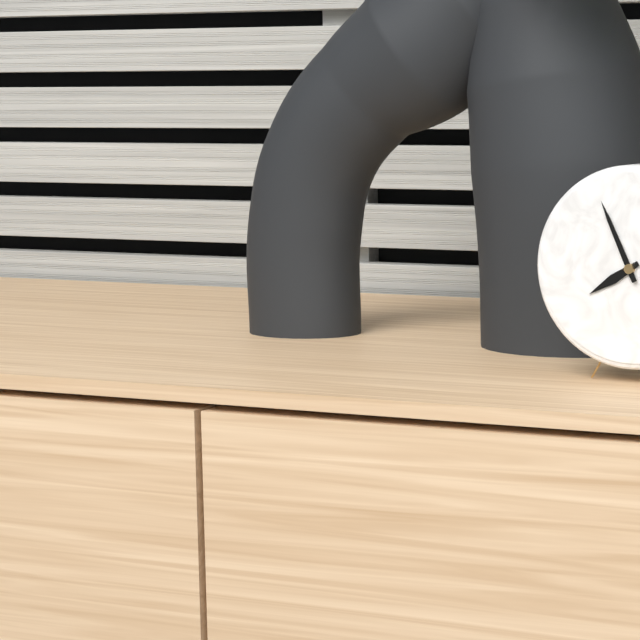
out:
{"hour": 7, "minute": 56}
